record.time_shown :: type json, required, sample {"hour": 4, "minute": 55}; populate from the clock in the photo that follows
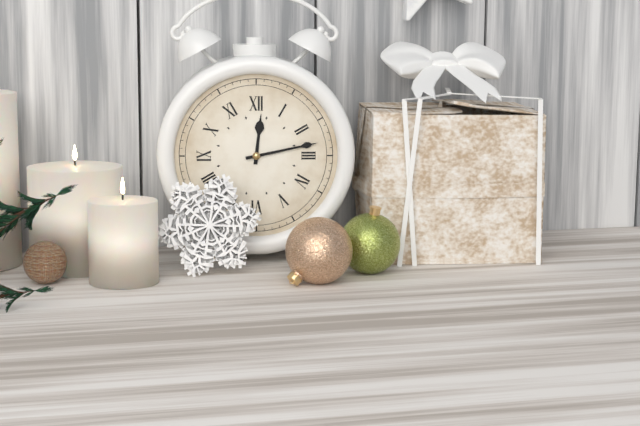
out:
{"hour": 12, "minute": 13}
